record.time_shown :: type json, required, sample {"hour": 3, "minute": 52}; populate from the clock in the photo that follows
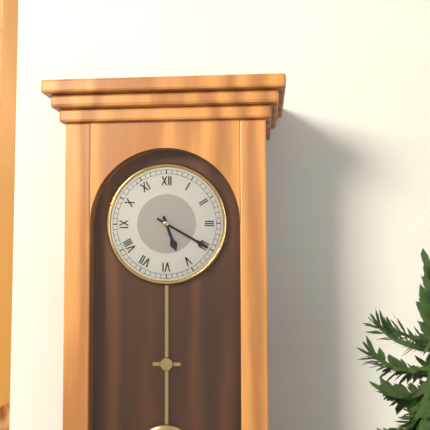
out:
{"hour": 5, "minute": 20}
